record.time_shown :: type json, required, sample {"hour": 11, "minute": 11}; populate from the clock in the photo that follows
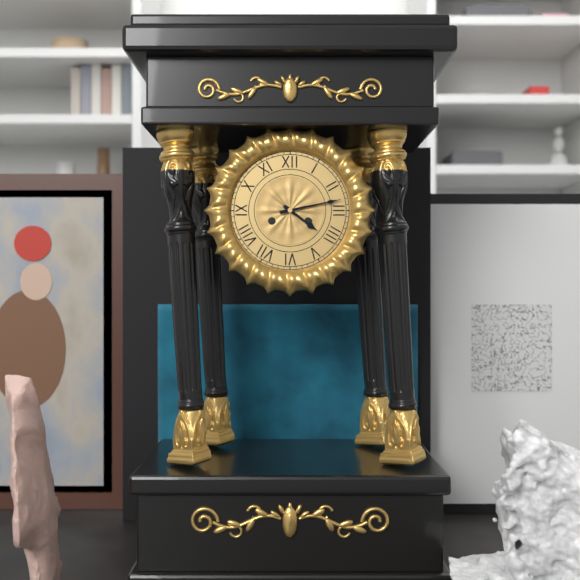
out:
{"hour": 4, "minute": 13}
